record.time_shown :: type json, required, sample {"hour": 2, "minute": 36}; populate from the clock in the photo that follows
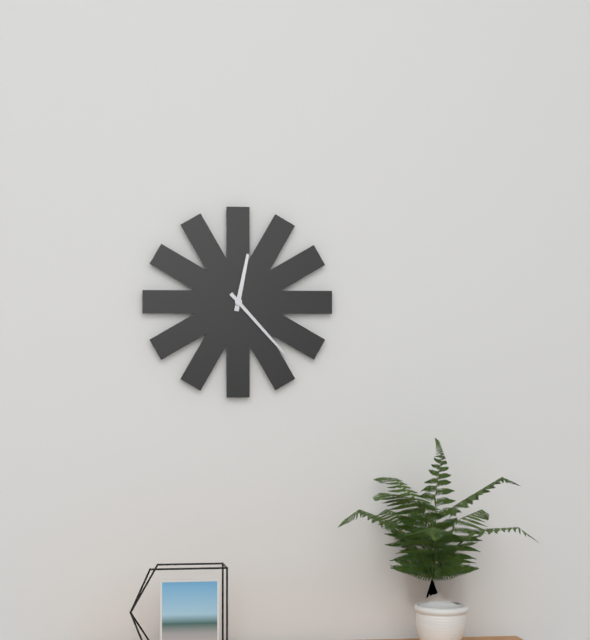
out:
{"hour": 12, "minute": 23}
